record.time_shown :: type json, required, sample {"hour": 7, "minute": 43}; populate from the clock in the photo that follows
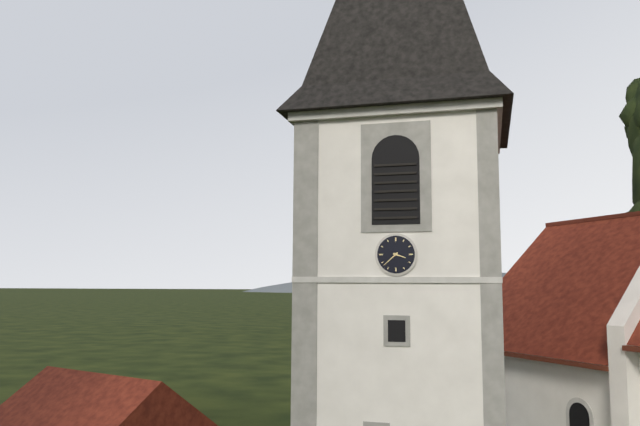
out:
{"hour": 3, "minute": 38}
